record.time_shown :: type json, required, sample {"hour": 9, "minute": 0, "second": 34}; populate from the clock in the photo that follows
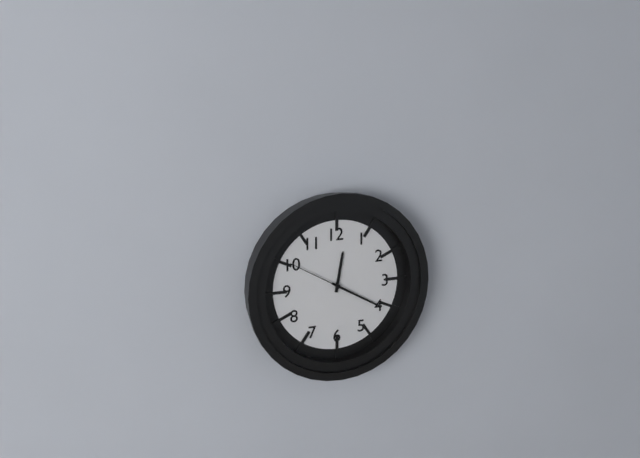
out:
{"hour": 12, "minute": 20, "second": 50}
